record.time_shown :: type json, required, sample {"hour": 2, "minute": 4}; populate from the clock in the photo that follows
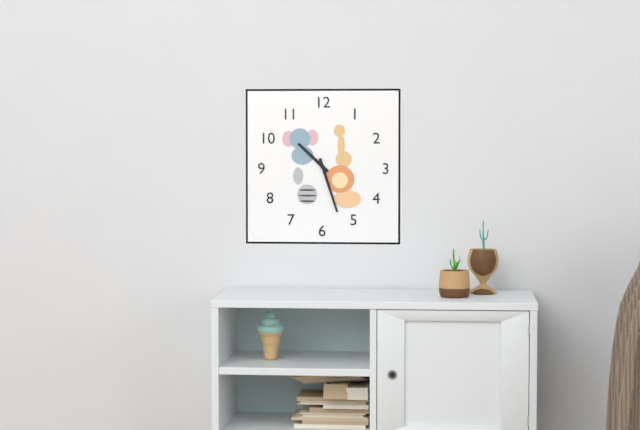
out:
{"hour": 10, "minute": 27}
